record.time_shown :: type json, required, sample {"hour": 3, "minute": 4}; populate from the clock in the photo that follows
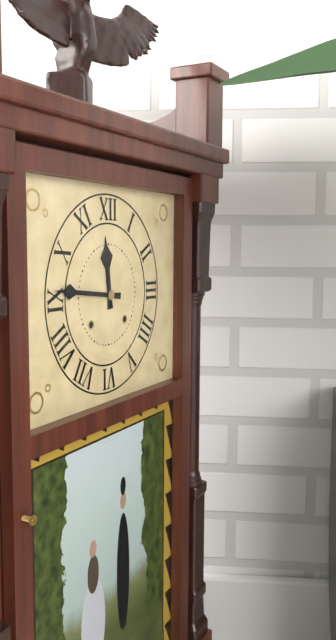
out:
{"hour": 11, "minute": 46}
